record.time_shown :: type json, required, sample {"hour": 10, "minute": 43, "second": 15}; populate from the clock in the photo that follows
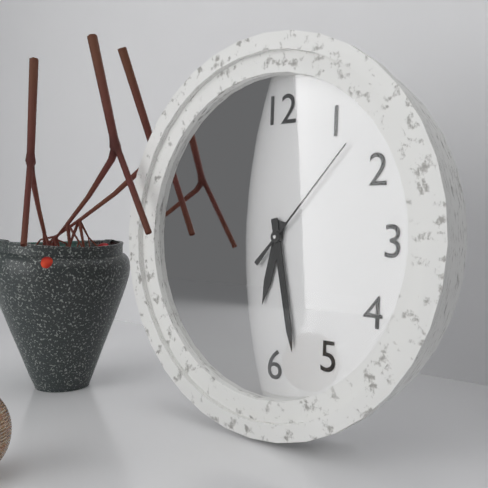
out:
{"hour": 6, "minute": 28, "second": 7}
